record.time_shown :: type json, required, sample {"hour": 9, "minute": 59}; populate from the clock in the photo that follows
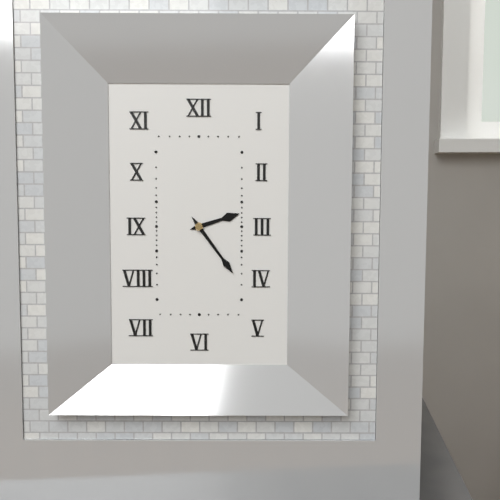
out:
{"hour": 2, "minute": 24}
